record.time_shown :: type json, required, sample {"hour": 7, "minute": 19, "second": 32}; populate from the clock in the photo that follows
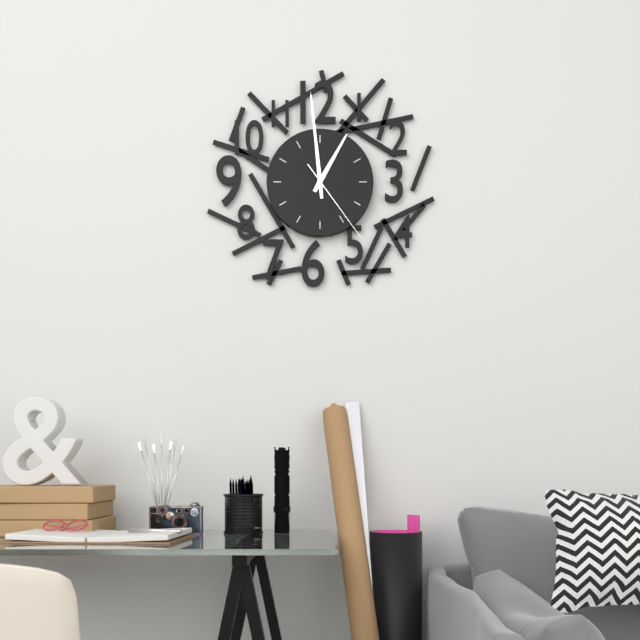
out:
{"hour": 12, "minute": 59, "second": 24}
